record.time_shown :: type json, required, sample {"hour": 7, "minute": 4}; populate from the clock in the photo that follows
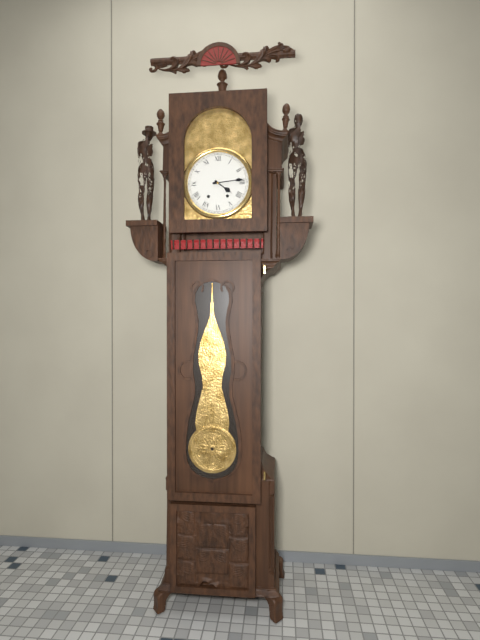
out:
{"hour": 4, "minute": 14}
